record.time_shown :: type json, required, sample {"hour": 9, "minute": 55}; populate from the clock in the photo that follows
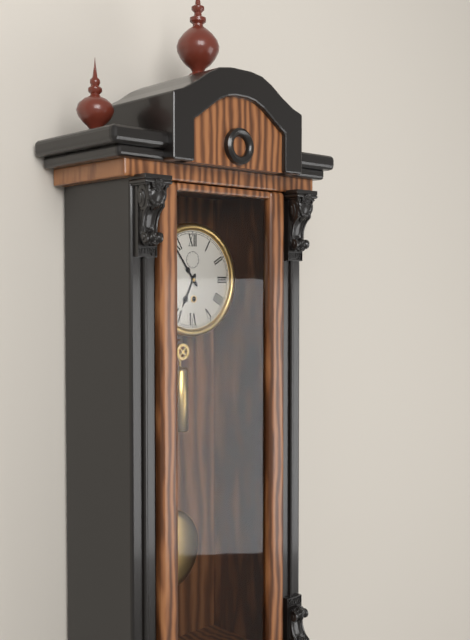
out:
{"hour": 6, "minute": 54}
